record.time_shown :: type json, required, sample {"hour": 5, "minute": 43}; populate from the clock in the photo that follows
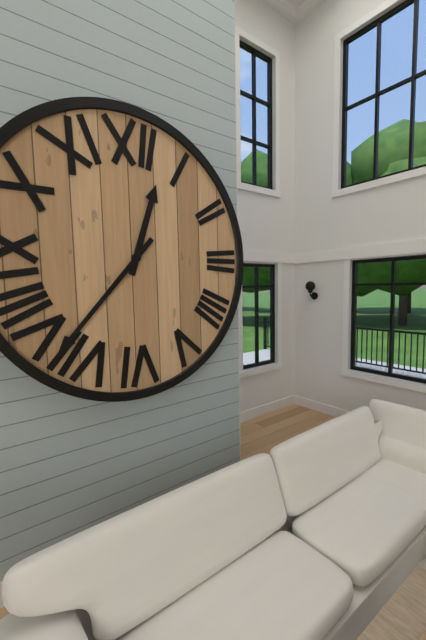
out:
{"hour": 12, "minute": 37}
